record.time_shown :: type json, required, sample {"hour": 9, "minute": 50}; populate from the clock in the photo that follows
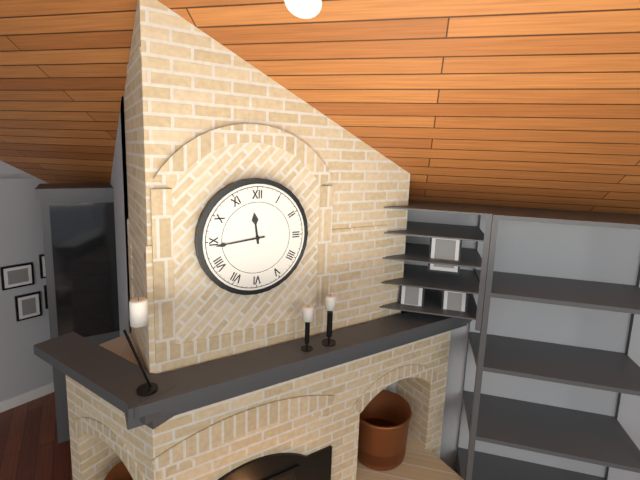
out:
{"hour": 11, "minute": 44}
